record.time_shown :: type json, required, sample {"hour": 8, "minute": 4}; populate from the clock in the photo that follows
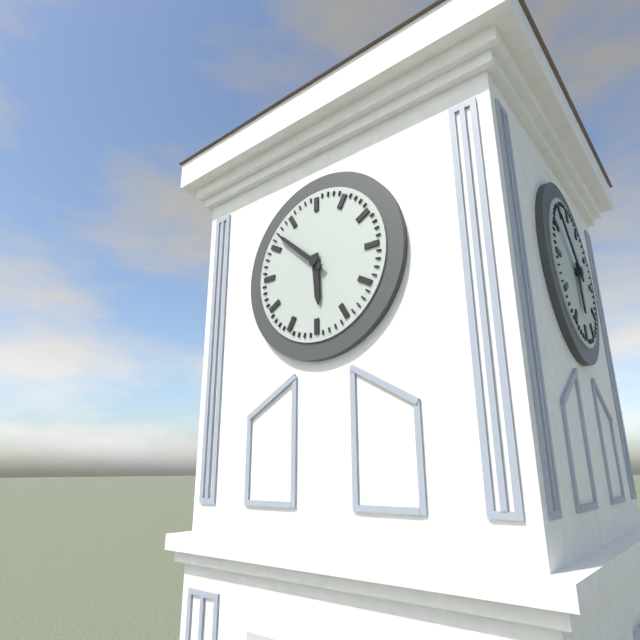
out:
{"hour": 5, "minute": 52}
